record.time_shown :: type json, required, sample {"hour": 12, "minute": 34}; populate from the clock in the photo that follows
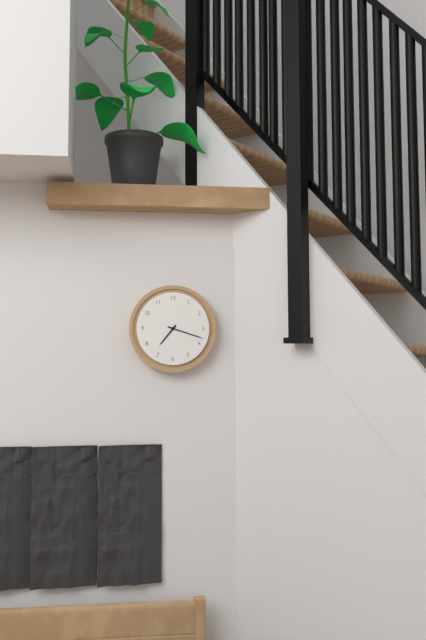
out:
{"hour": 7, "minute": 18}
